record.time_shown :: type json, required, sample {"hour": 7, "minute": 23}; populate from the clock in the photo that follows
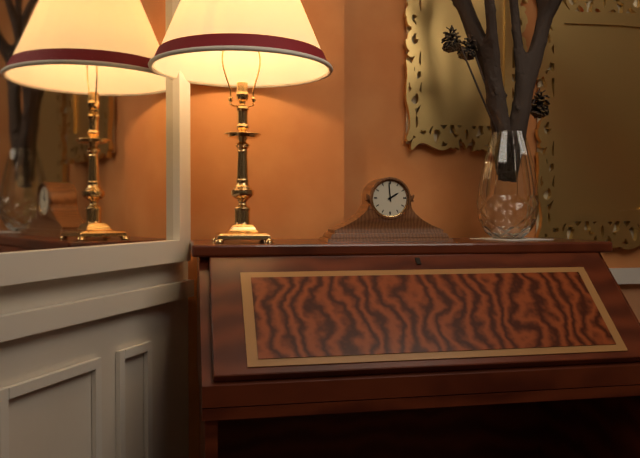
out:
{"hour": 1, "minute": 59}
